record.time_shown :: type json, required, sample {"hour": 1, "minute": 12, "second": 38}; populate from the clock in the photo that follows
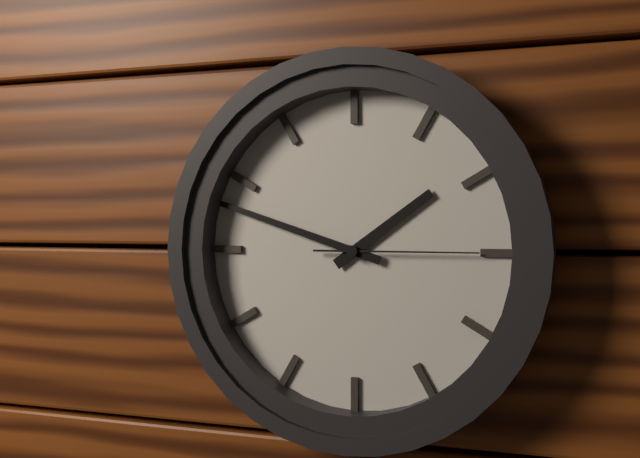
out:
{"hour": 1, "minute": 48, "second": 15}
